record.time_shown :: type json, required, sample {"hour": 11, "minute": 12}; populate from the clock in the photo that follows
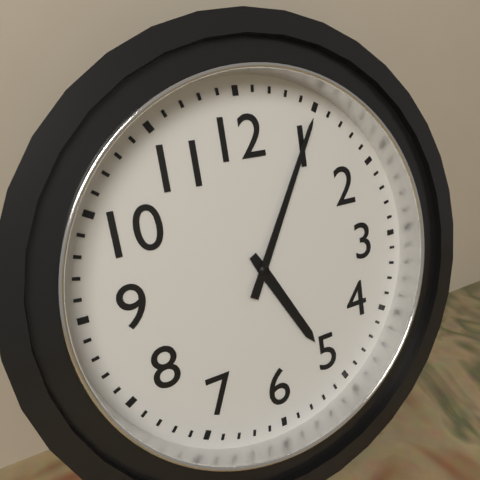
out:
{"hour": 5, "minute": 5}
